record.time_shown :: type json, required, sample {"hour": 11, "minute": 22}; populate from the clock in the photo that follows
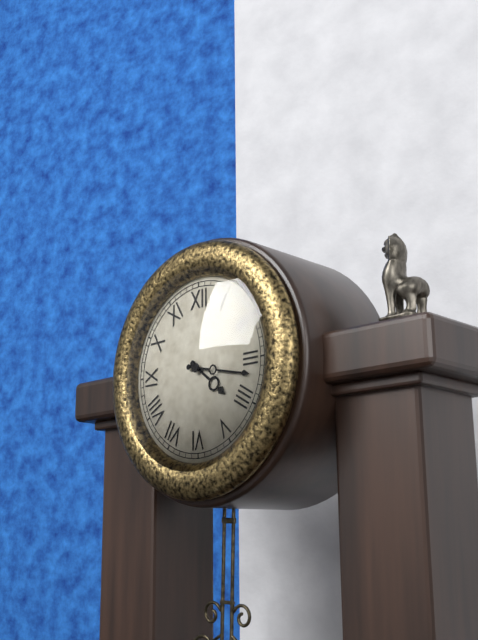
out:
{"hour": 4, "minute": 17}
